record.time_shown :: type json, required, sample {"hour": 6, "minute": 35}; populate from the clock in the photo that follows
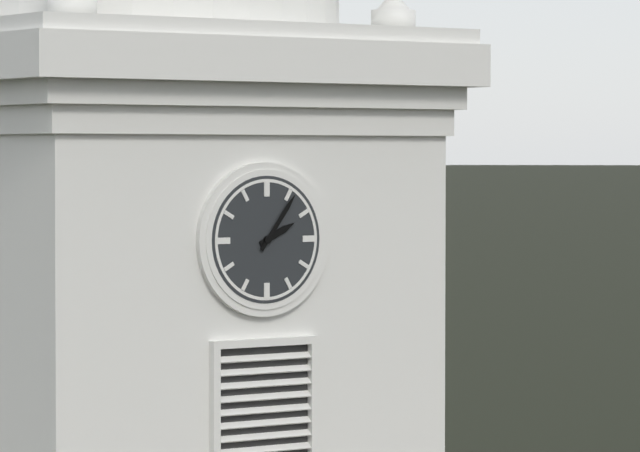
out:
{"hour": 2, "minute": 6}
